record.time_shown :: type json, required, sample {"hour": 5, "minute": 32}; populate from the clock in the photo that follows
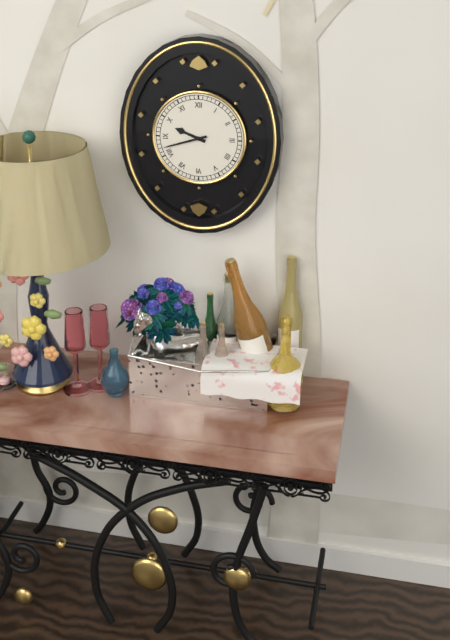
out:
{"hour": 9, "minute": 42}
